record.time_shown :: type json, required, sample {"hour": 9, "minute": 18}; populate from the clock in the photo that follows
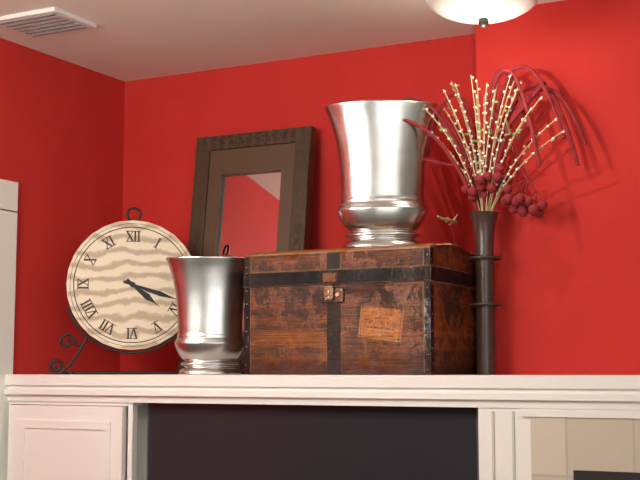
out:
{"hour": 4, "minute": 18}
